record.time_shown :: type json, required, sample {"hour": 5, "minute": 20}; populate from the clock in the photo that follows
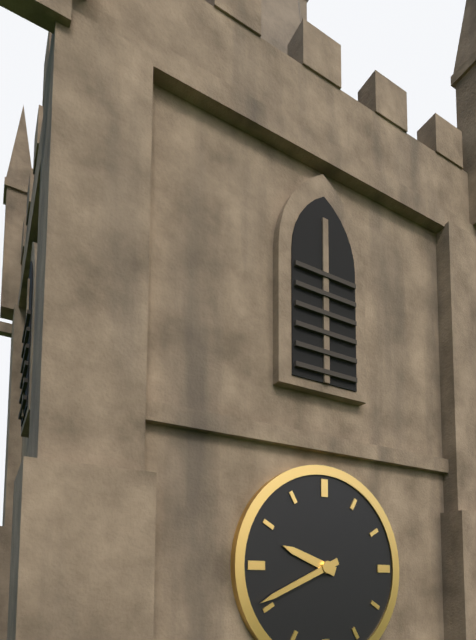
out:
{"hour": 9, "minute": 41}
